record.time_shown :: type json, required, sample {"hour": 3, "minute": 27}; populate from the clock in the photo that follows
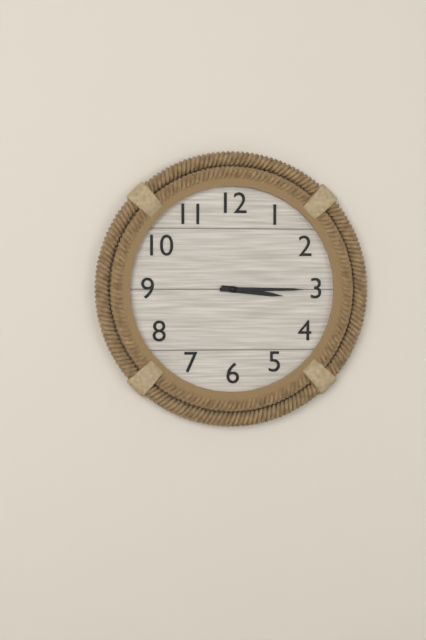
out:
{"hour": 3, "minute": 15}
